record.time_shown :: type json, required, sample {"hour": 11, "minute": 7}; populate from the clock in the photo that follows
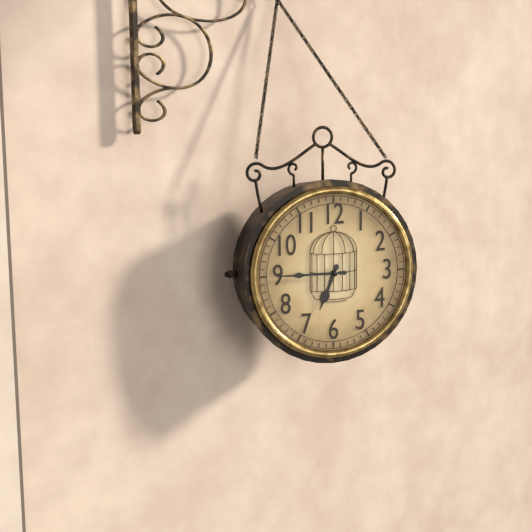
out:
{"hour": 6, "minute": 45}
